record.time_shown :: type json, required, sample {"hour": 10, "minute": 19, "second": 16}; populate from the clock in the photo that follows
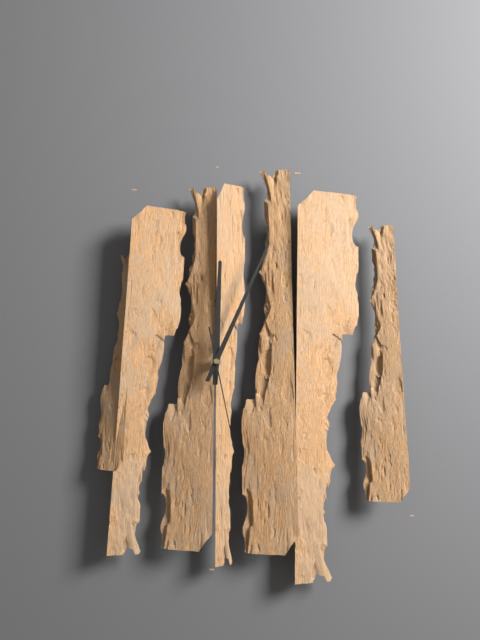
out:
{"hour": 12, "minute": 4, "second": 28}
